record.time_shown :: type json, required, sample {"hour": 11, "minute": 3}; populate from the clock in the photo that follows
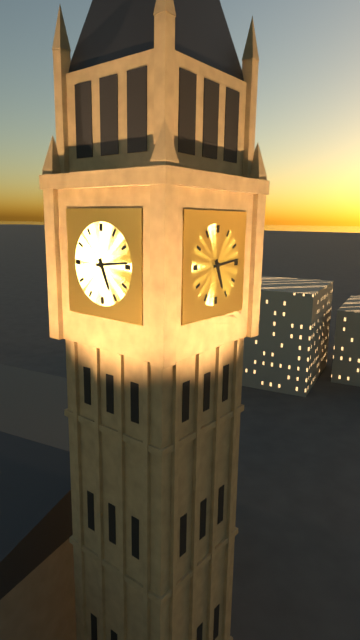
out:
{"hour": 5, "minute": 14}
